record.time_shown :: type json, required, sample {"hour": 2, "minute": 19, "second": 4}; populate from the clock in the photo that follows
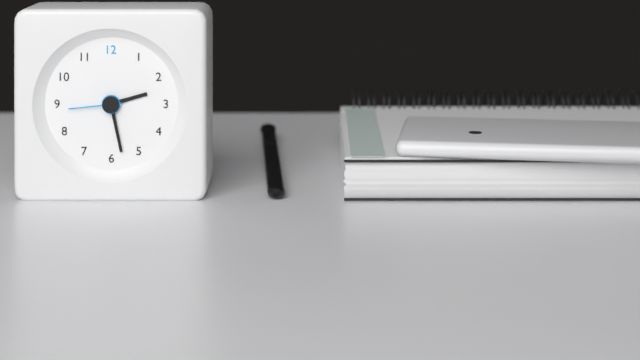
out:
{"hour": 2, "minute": 28, "second": 44}
